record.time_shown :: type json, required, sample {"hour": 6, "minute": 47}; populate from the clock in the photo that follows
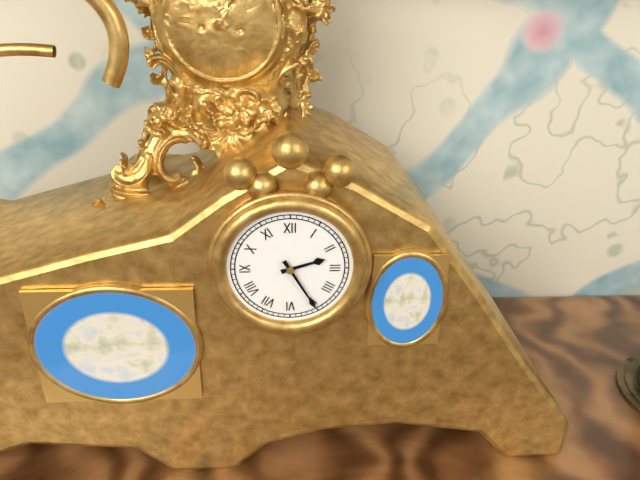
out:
{"hour": 2, "minute": 25}
